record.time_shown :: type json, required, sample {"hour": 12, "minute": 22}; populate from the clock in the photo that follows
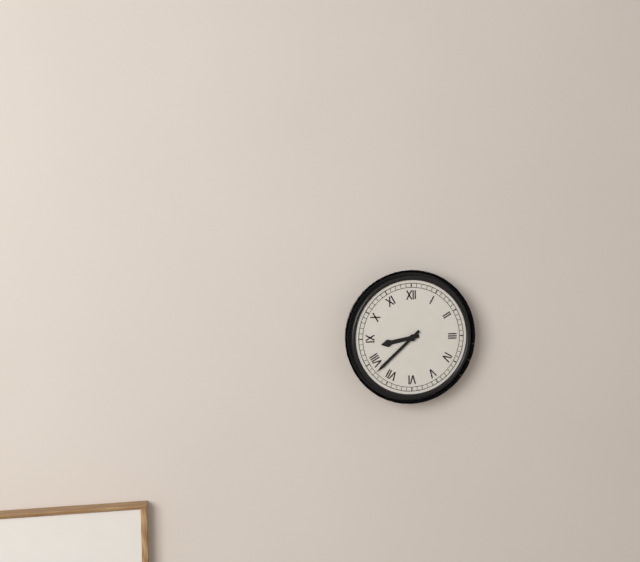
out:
{"hour": 8, "minute": 38}
